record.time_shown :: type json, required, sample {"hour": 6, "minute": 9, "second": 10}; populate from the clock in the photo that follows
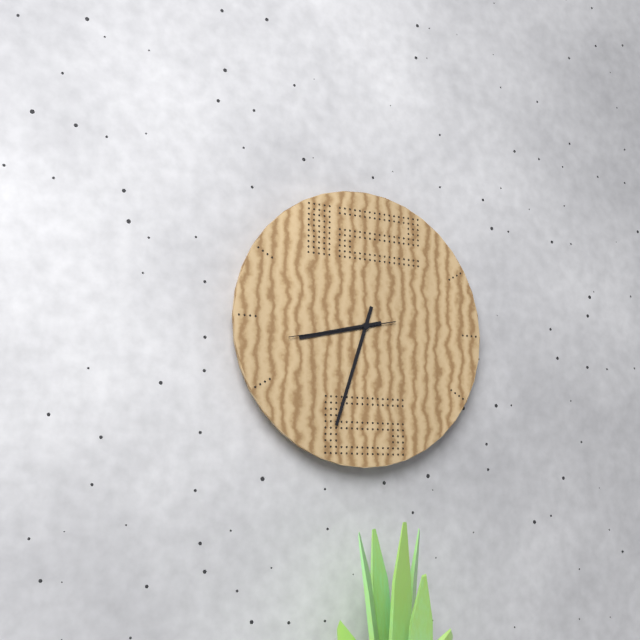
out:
{"hour": 8, "minute": 33, "second": 43}
